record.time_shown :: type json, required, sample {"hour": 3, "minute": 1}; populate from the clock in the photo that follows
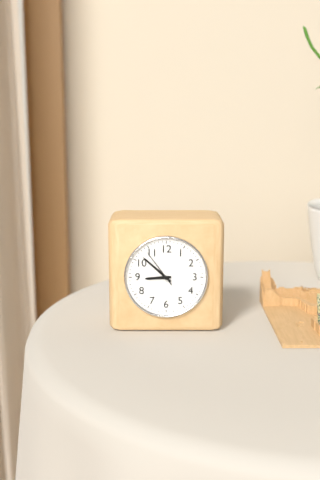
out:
{"hour": 8, "minute": 52}
